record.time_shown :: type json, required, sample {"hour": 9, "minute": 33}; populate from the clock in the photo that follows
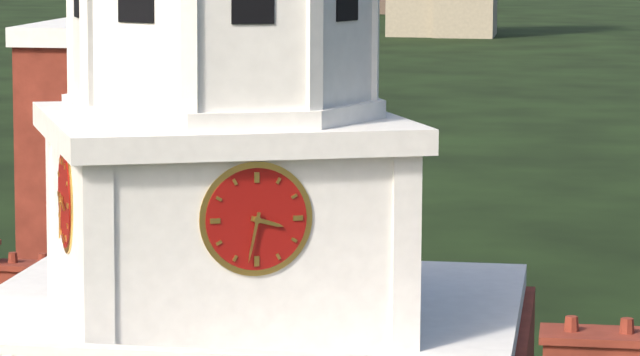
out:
{"hour": 3, "minute": 32}
